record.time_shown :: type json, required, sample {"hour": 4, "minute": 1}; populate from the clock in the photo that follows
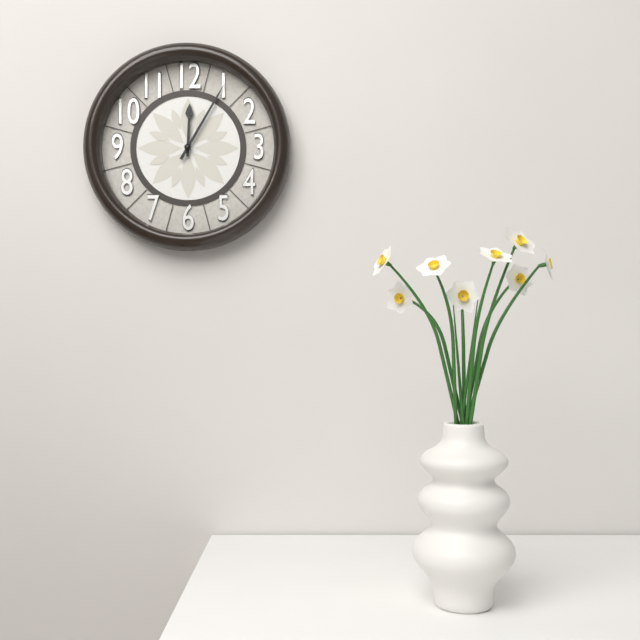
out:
{"hour": 12, "minute": 5}
